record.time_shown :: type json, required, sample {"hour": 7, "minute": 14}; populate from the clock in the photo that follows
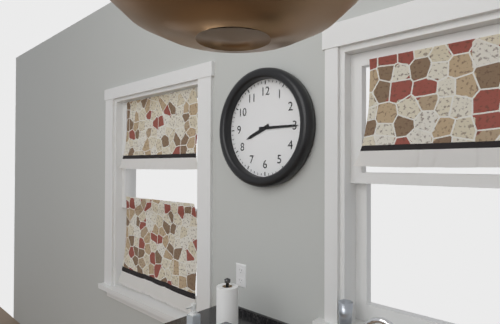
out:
{"hour": 8, "minute": 15}
